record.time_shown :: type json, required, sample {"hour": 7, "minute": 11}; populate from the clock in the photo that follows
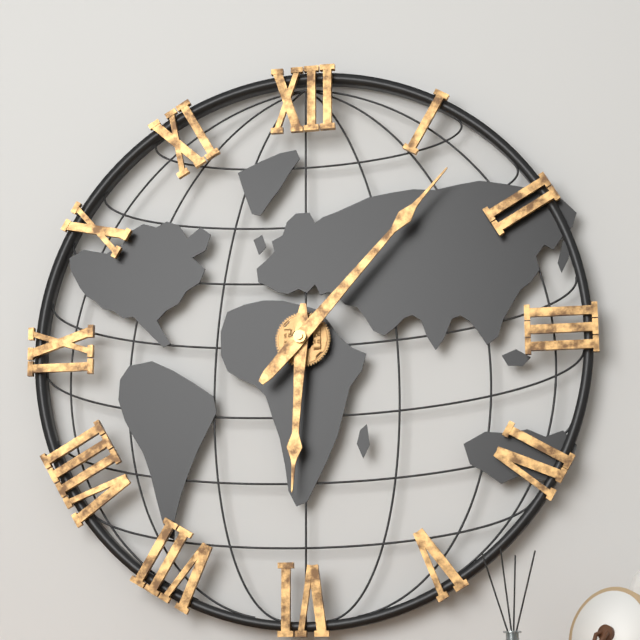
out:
{"hour": 6, "minute": 7}
